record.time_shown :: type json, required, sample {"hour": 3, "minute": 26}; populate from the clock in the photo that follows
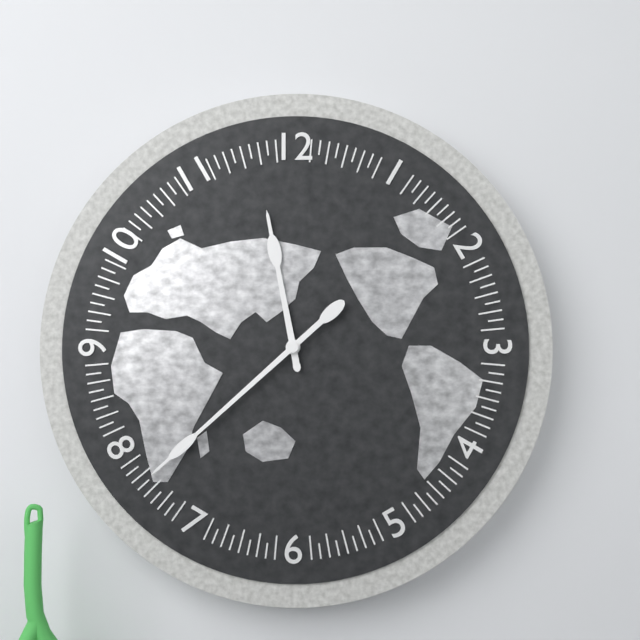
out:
{"hour": 11, "minute": 38}
